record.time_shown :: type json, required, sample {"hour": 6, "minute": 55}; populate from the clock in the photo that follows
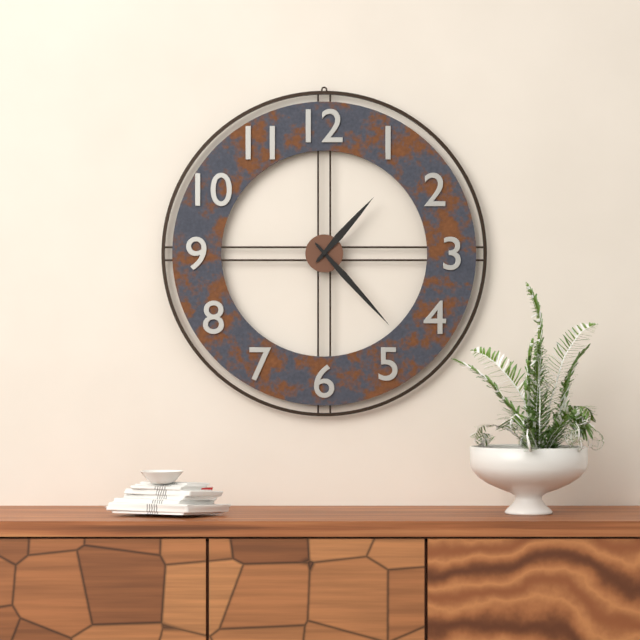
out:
{"hour": 1, "minute": 23}
